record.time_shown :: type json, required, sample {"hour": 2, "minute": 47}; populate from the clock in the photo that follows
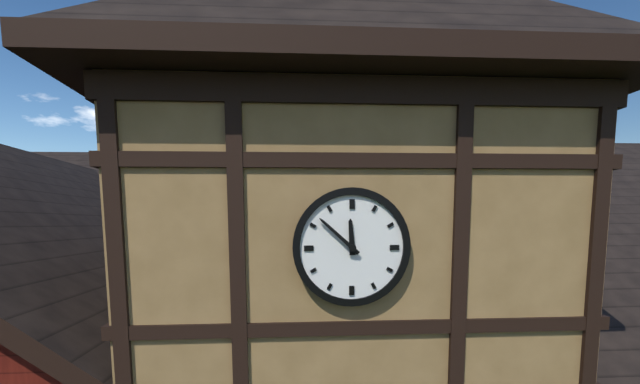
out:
{"hour": 11, "minute": 52}
